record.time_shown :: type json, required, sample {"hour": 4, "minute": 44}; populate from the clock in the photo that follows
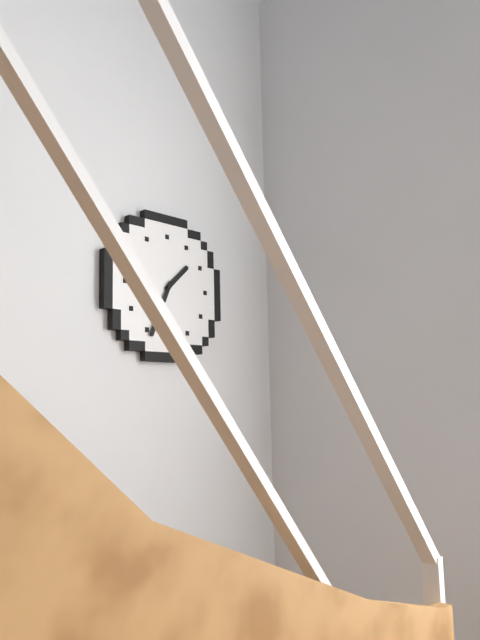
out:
{"hour": 1, "minute": 34}
